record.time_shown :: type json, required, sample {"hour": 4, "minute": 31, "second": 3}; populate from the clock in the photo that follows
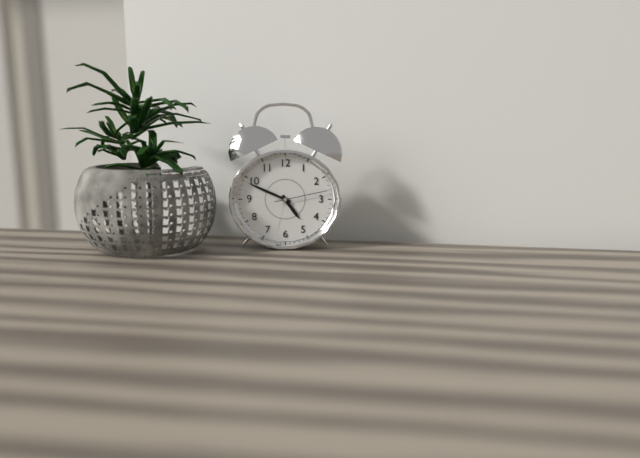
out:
{"hour": 4, "minute": 49, "second": 13}
